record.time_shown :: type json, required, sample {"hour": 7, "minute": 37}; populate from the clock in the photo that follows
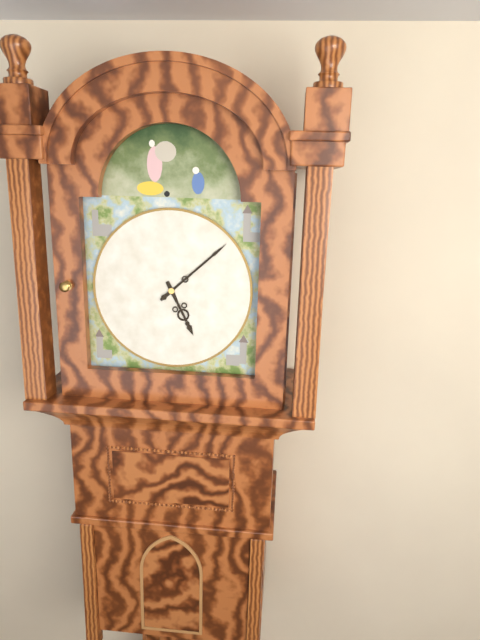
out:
{"hour": 5, "minute": 8}
